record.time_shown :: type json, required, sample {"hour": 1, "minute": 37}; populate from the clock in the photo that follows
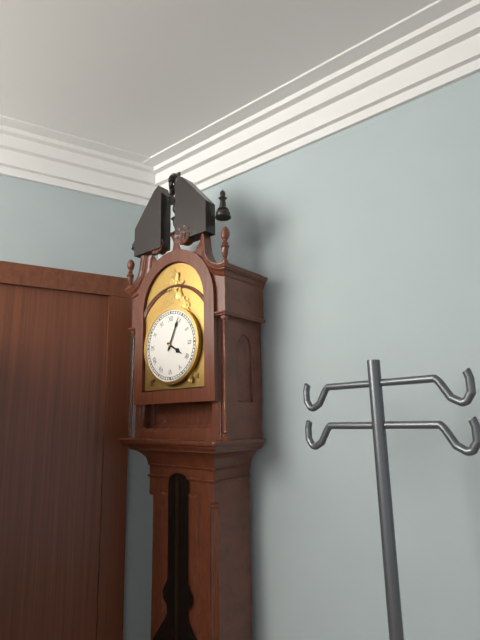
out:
{"hour": 4, "minute": 4}
